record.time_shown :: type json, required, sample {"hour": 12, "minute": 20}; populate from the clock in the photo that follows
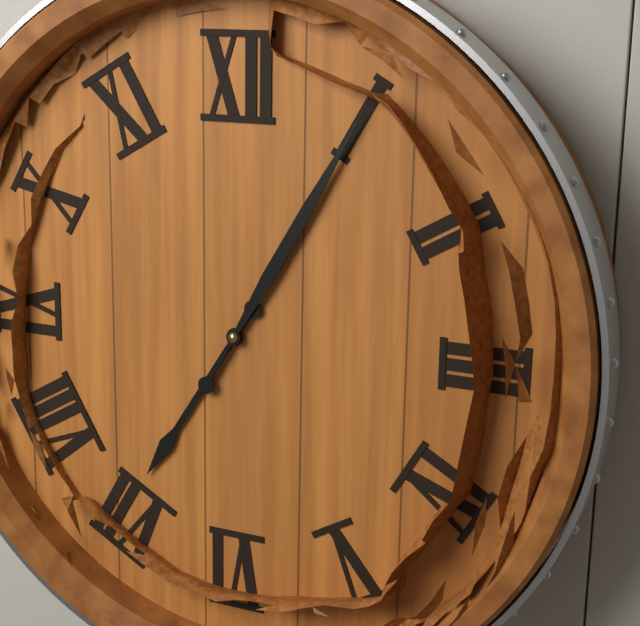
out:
{"hour": 7, "minute": 5}
